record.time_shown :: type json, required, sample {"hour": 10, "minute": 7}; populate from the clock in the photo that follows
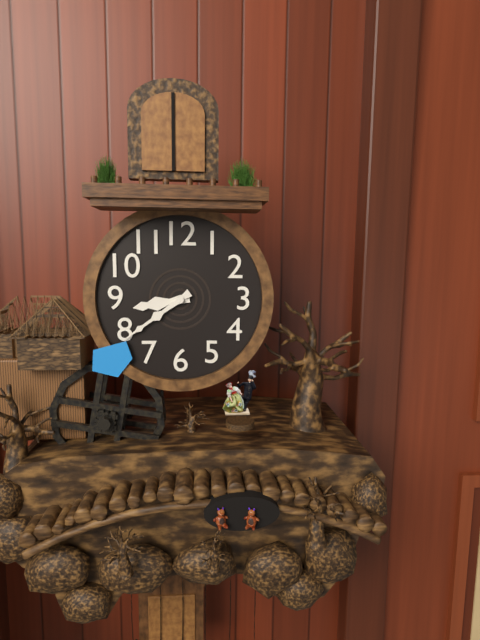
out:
{"hour": 8, "minute": 39}
